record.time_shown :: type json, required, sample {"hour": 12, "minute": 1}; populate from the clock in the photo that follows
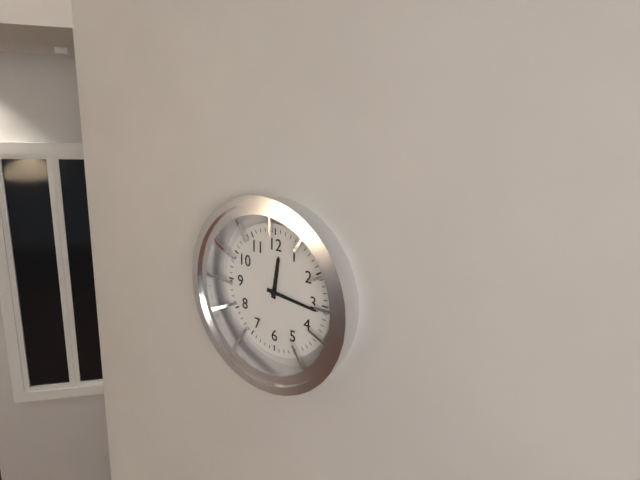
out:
{"hour": 12, "minute": 16}
